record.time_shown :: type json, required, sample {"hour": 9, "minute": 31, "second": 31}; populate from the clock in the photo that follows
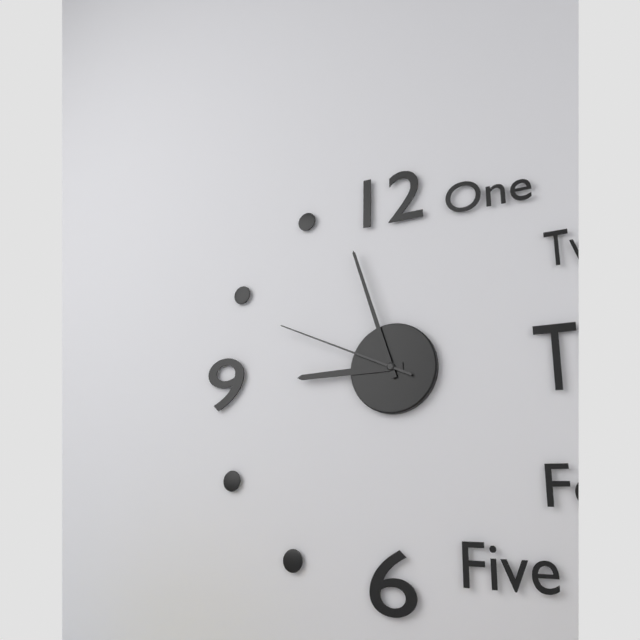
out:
{"hour": 8, "minute": 57, "second": 49}
